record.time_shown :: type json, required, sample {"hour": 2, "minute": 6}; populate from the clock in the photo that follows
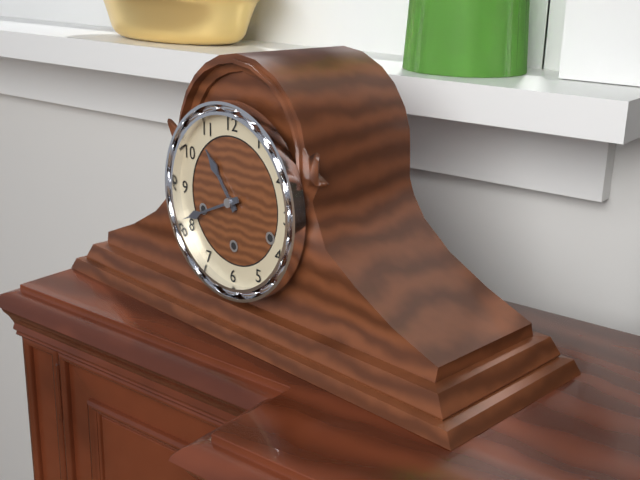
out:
{"hour": 10, "minute": 41}
